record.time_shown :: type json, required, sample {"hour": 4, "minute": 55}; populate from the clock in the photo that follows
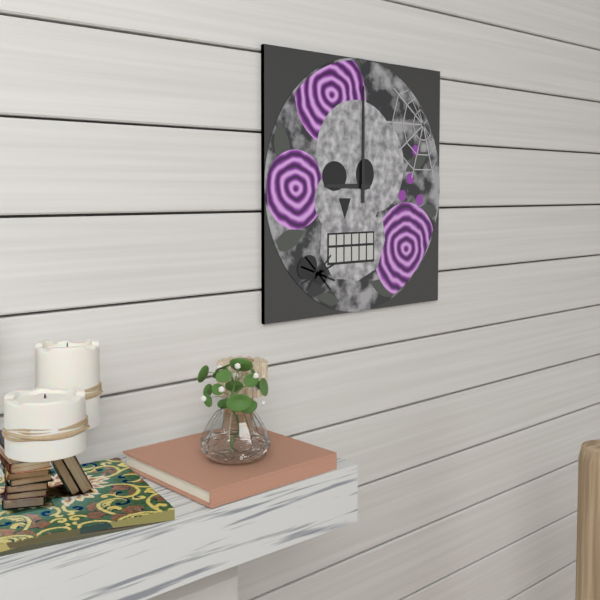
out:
{"hour": 9, "minute": 0}
